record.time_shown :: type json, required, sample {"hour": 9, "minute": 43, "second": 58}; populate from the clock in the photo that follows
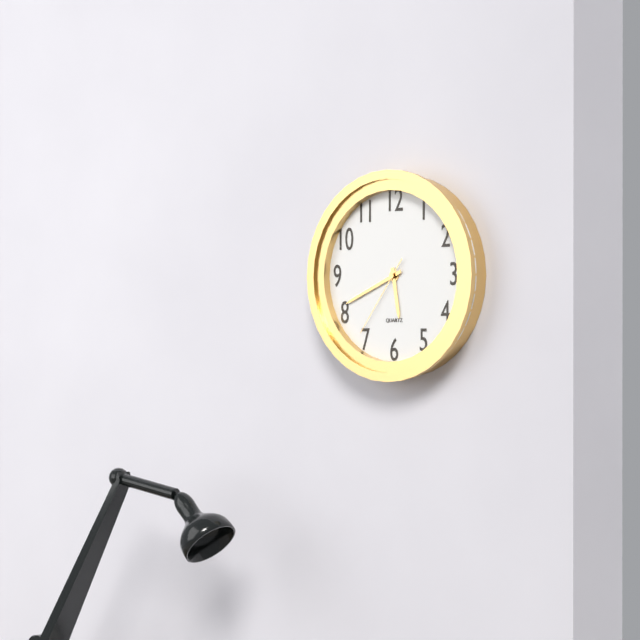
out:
{"hour": 5, "minute": 41, "second": 36}
